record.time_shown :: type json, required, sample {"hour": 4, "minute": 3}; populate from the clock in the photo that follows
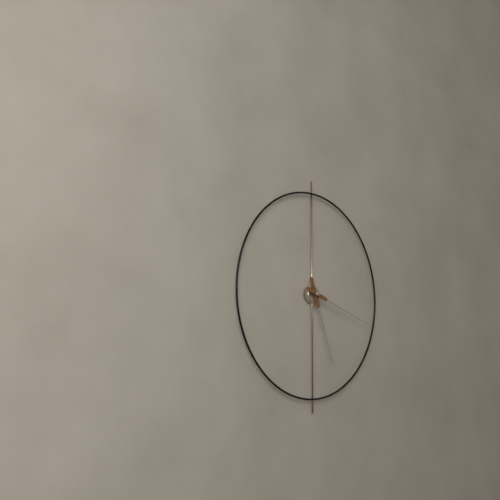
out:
{"hour": 5, "minute": 18}
